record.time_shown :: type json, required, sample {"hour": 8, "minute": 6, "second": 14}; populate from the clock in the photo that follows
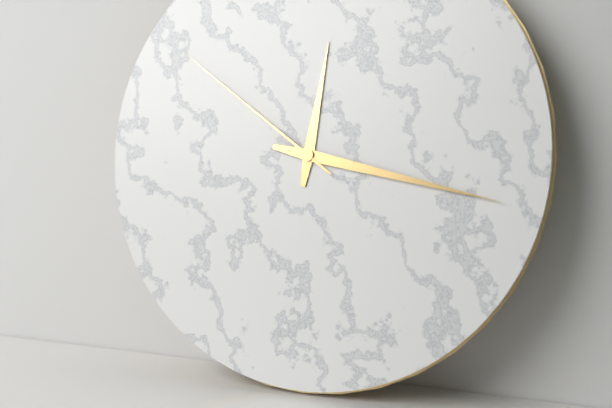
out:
{"hour": 12, "minute": 17, "second": 51}
